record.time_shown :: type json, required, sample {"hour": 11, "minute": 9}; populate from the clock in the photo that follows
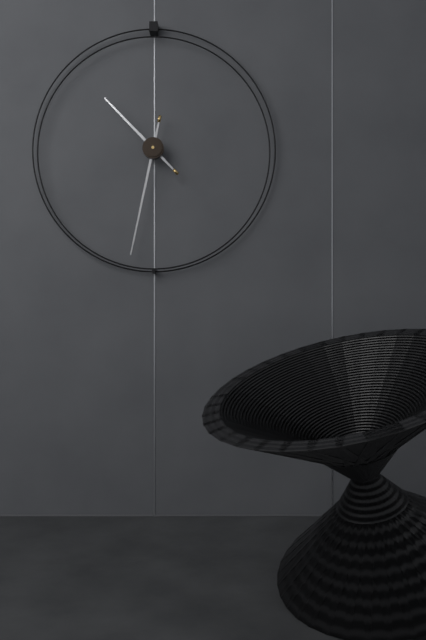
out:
{"hour": 10, "minute": 32}
